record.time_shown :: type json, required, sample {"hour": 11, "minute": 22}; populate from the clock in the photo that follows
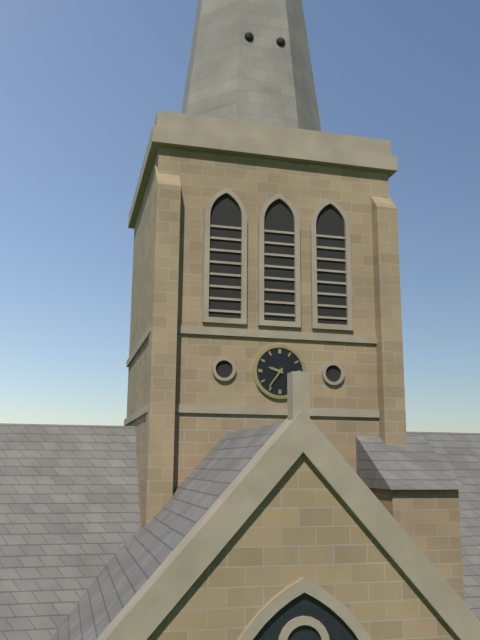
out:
{"hour": 9, "minute": 36}
